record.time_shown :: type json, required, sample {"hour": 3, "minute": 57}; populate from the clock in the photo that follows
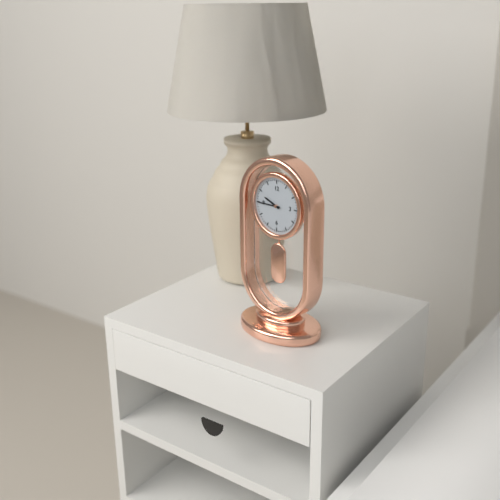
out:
{"hour": 9, "minute": 45}
